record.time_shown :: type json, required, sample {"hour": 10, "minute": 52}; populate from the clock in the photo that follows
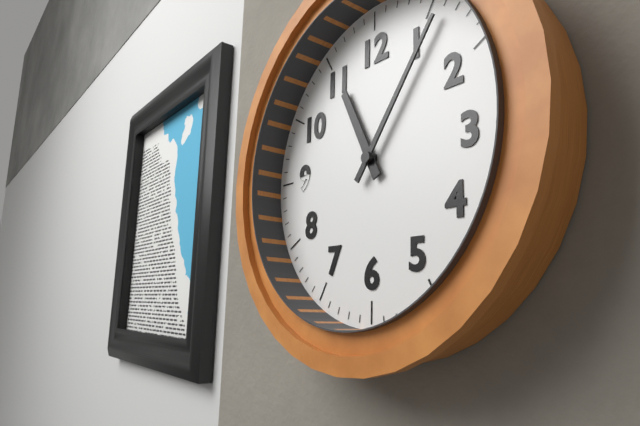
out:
{"hour": 11, "minute": 6}
